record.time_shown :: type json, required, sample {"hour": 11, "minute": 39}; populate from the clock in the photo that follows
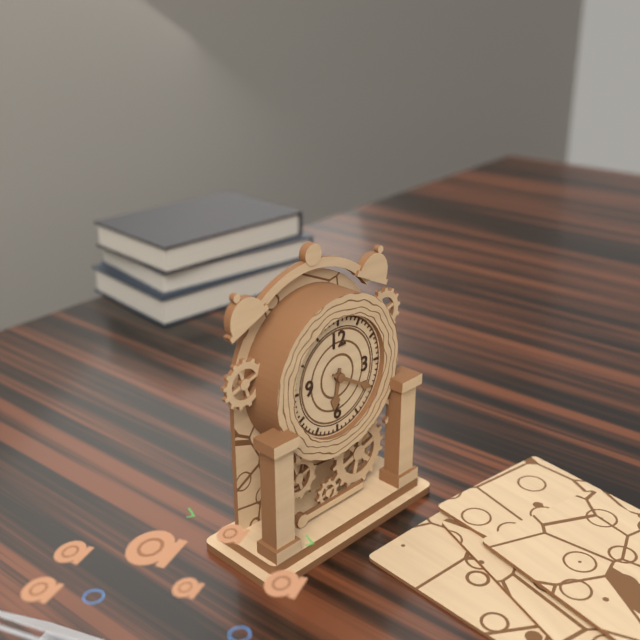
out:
{"hour": 6, "minute": 20}
